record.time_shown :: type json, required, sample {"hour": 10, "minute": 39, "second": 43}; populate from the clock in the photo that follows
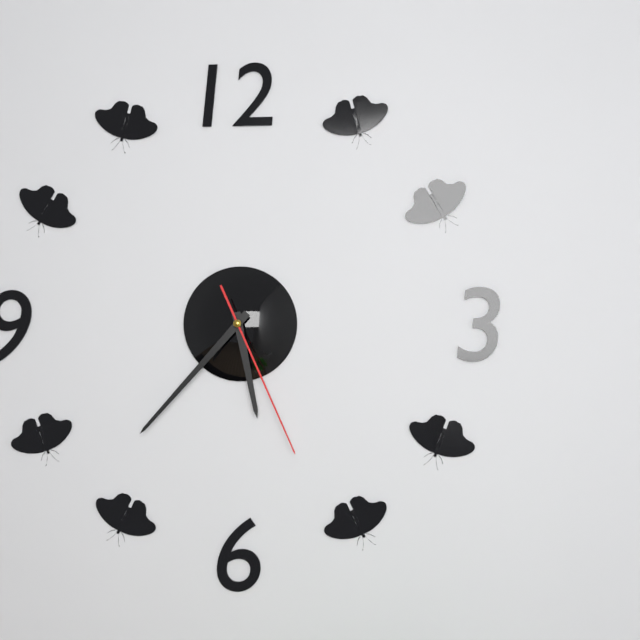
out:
{"hour": 5, "minute": 37, "second": 26}
